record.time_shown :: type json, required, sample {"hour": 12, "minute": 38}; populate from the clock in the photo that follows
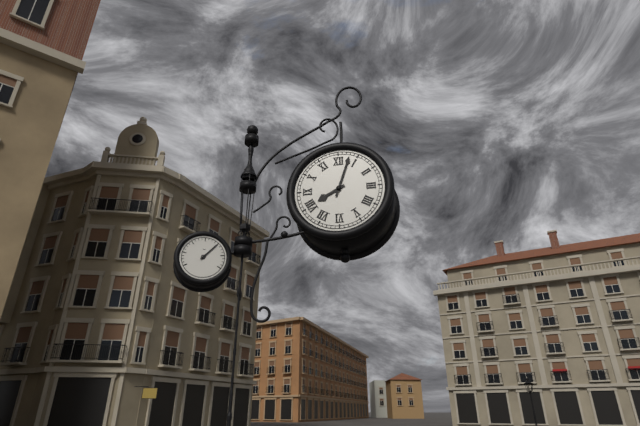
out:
{"hour": 8, "minute": 3}
